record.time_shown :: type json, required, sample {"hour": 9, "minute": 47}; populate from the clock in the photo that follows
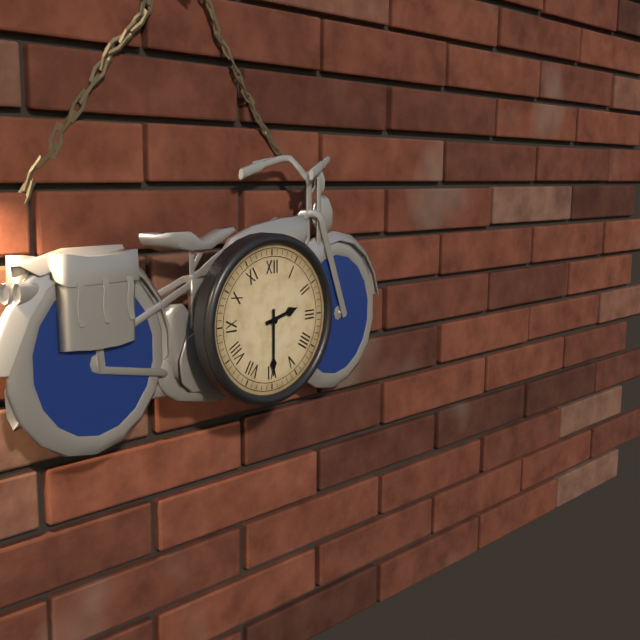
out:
{"hour": 2, "minute": 30}
